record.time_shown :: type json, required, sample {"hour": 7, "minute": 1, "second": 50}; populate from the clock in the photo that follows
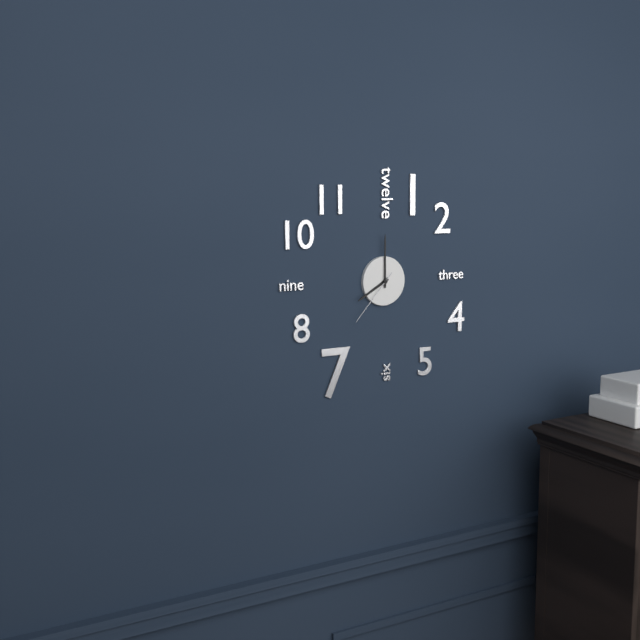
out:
{"hour": 8, "minute": 0, "second": 37}
